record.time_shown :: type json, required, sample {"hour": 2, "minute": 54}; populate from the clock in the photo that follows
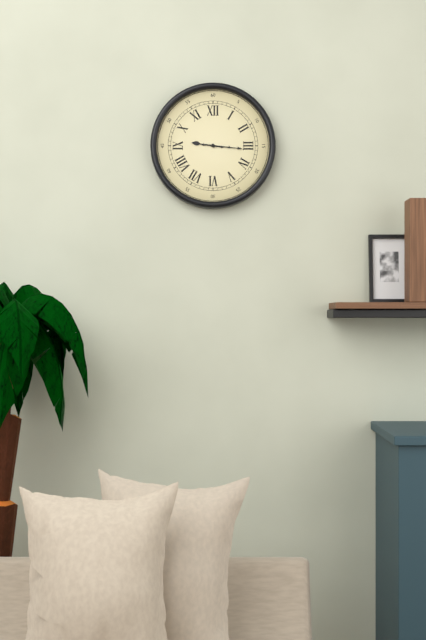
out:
{"hour": 9, "minute": 16}
